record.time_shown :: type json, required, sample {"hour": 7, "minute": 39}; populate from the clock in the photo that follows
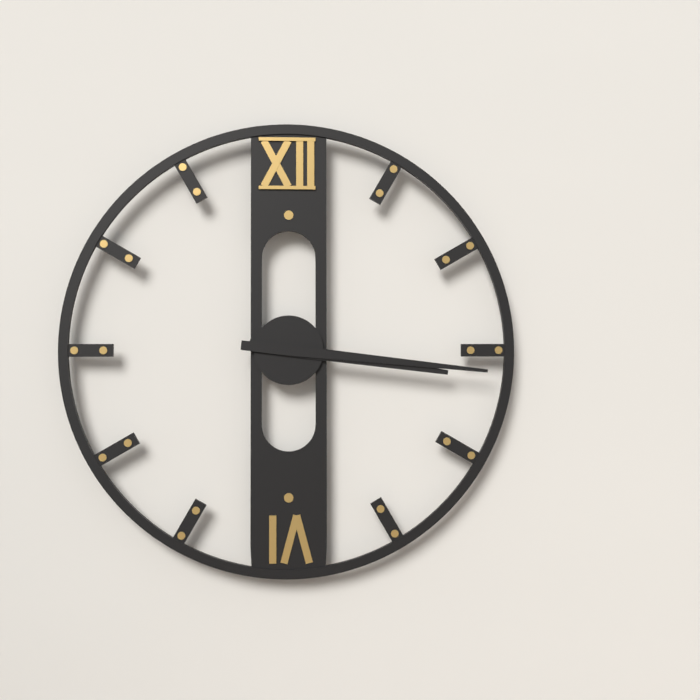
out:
{"hour": 3, "minute": 16}
